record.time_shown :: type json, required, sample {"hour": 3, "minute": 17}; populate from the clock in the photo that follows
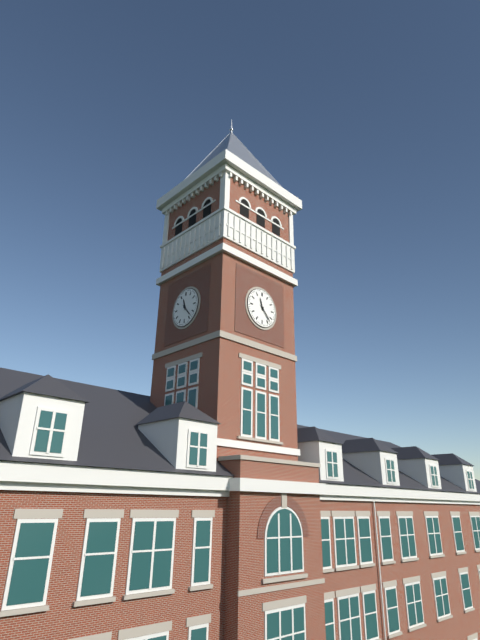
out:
{"hour": 11, "minute": 23}
